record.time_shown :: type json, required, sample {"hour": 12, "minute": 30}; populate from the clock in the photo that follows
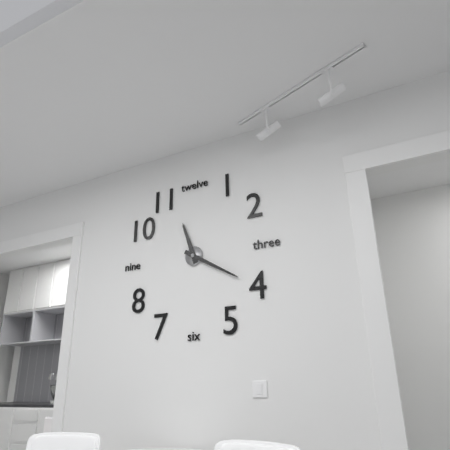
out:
{"hour": 11, "minute": 20}
